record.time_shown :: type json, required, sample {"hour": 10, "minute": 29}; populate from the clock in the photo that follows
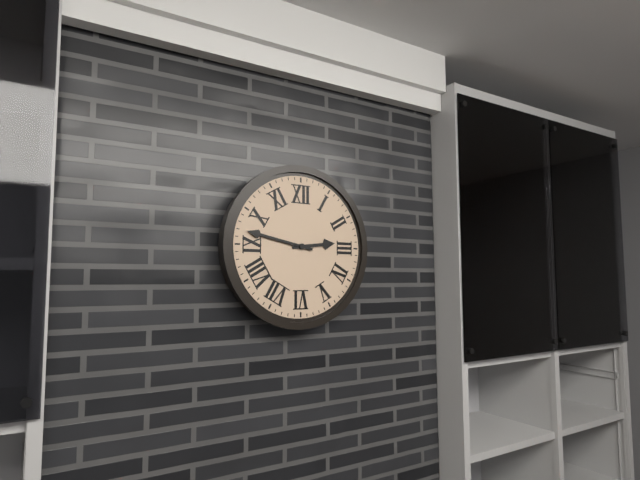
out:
{"hour": 2, "minute": 47}
